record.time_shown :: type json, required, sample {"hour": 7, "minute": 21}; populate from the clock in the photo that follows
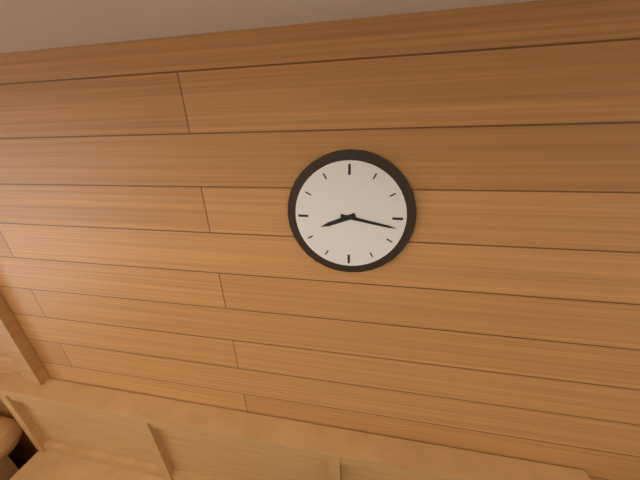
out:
{"hour": 8, "minute": 17}
